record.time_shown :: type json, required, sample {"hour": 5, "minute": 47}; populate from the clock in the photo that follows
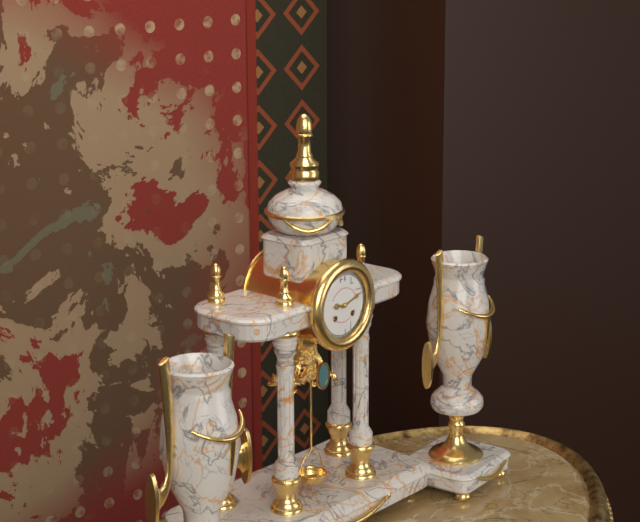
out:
{"hour": 9, "minute": 12}
